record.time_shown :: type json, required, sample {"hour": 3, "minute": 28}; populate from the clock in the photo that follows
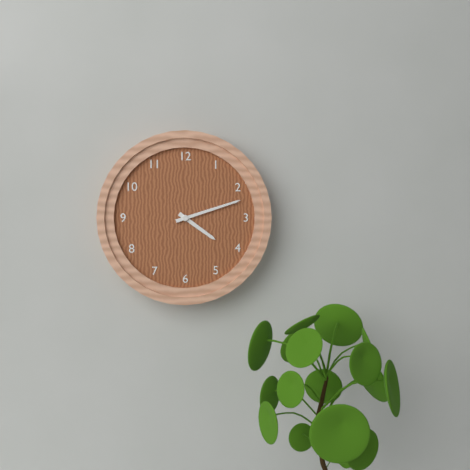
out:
{"hour": 4, "minute": 12}
